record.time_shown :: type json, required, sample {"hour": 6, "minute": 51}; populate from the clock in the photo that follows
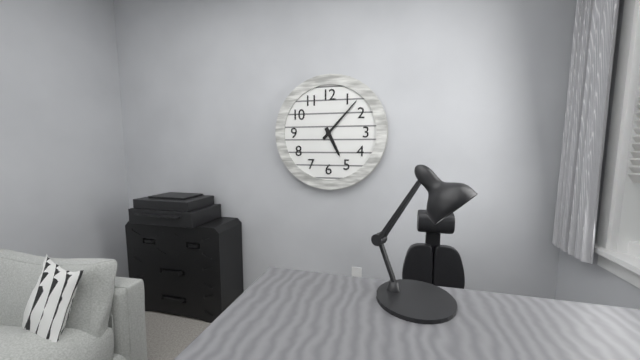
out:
{"hour": 5, "minute": 7}
